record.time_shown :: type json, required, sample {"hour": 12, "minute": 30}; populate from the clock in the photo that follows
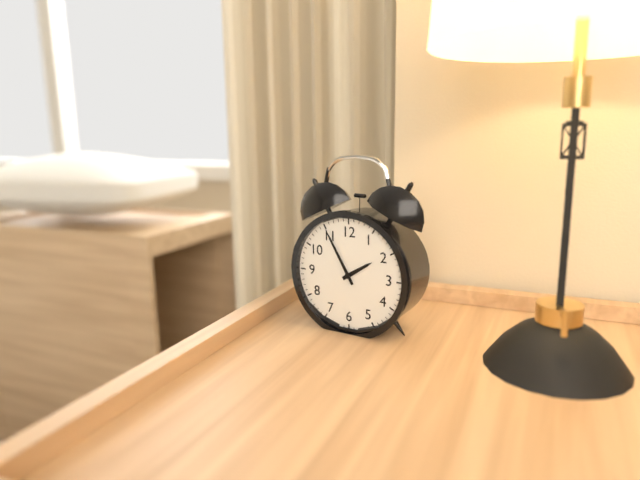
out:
{"hour": 1, "minute": 55}
